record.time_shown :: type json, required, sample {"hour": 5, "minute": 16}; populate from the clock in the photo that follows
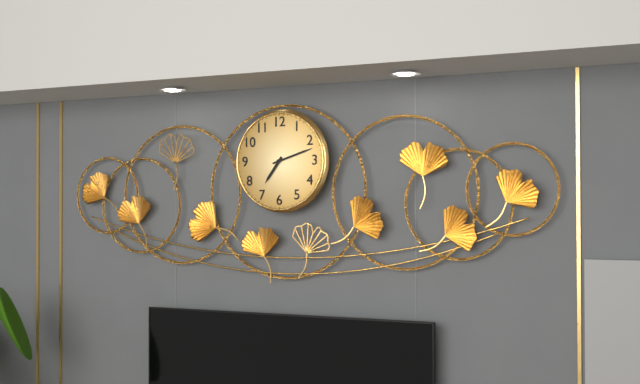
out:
{"hour": 7, "minute": 12}
